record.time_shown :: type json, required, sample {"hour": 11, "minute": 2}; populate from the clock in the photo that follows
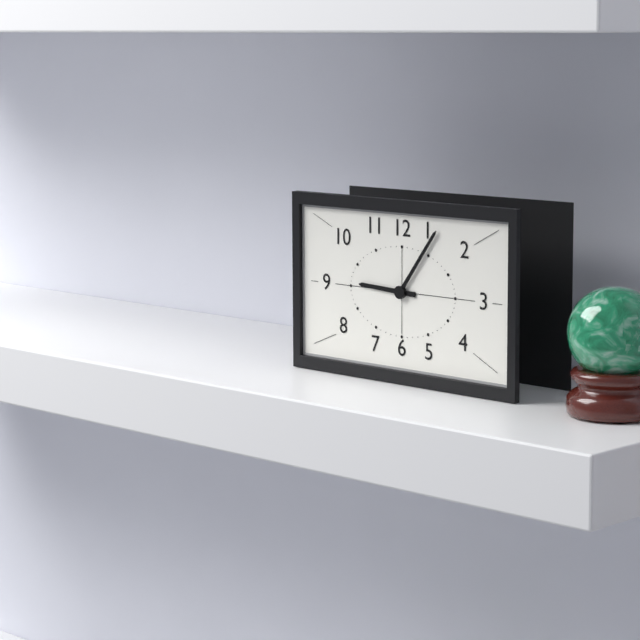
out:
{"hour": 9, "minute": 6}
